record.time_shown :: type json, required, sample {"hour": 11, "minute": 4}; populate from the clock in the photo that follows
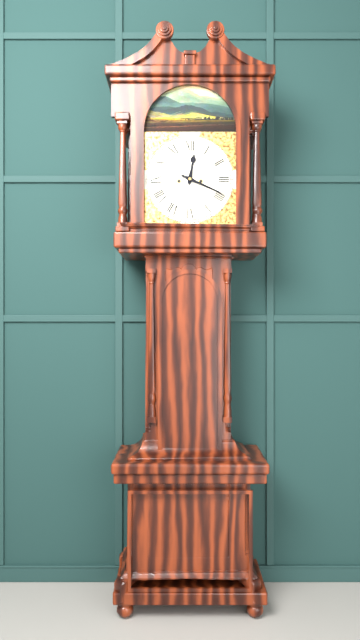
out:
{"hour": 12, "minute": 19}
